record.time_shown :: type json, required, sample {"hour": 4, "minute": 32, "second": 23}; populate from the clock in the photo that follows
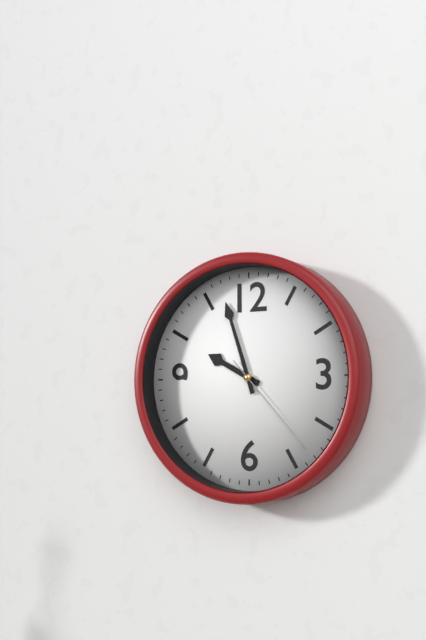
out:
{"hour": 9, "minute": 57, "second": 23}
